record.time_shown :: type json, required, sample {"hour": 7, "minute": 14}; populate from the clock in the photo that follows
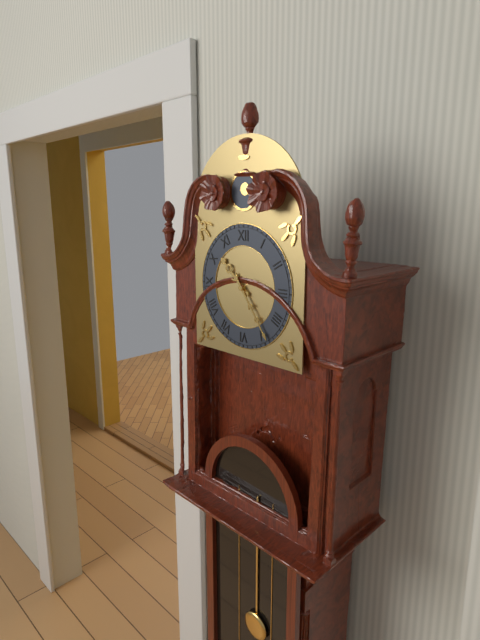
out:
{"hour": 10, "minute": 24}
